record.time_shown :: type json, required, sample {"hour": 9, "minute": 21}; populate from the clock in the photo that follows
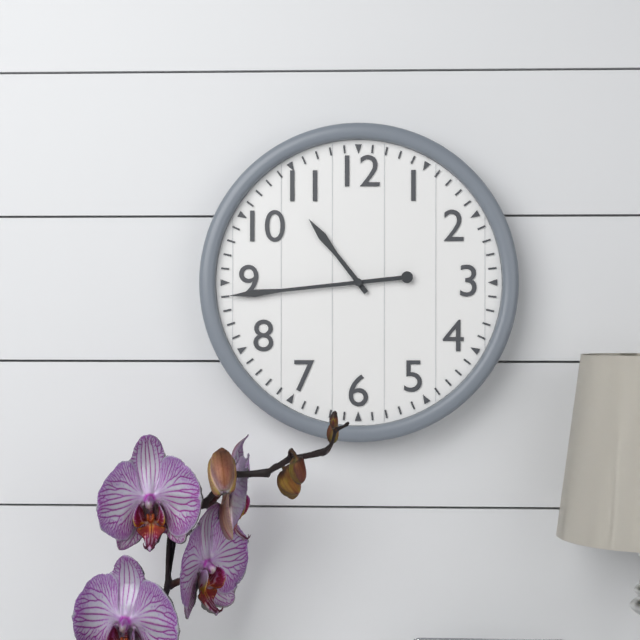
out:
{"hour": 10, "minute": 44}
